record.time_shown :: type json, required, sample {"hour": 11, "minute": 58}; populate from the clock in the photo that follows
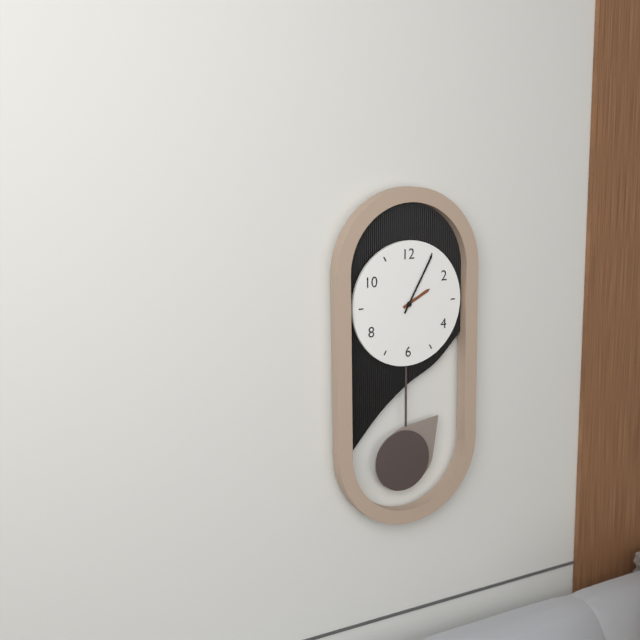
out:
{"hour": 2, "minute": 5}
